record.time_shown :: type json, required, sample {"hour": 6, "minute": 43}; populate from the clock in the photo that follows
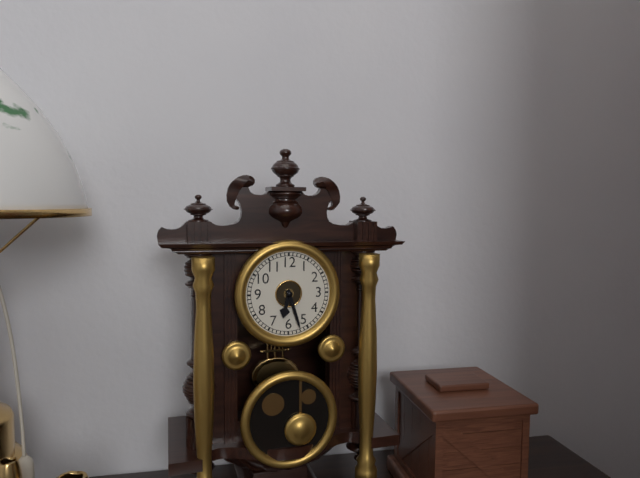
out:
{"hour": 6, "minute": 27}
